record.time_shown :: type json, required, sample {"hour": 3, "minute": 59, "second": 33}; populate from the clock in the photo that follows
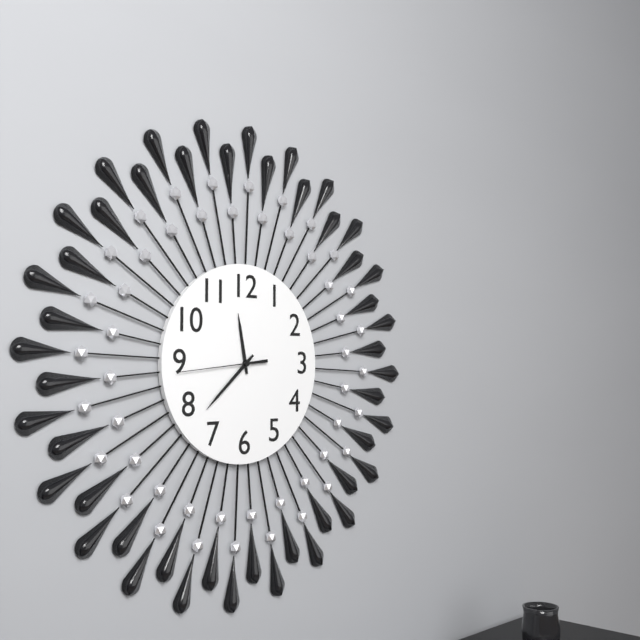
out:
{"hour": 11, "minute": 38, "second": 44}
